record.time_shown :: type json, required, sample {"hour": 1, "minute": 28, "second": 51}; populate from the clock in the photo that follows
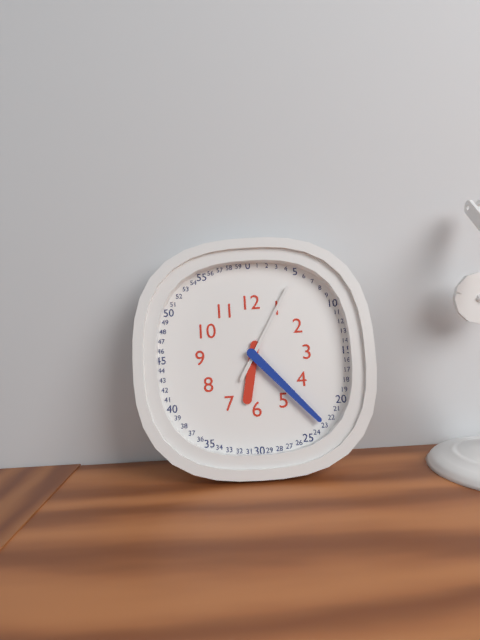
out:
{"hour": 6, "minute": 23, "second": 5}
